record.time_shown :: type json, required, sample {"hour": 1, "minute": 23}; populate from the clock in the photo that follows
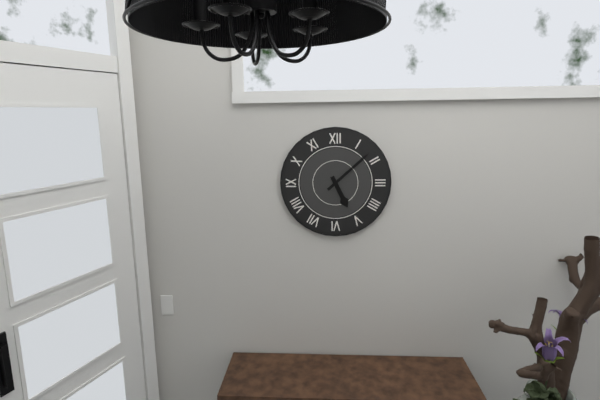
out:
{"hour": 5, "minute": 8}
